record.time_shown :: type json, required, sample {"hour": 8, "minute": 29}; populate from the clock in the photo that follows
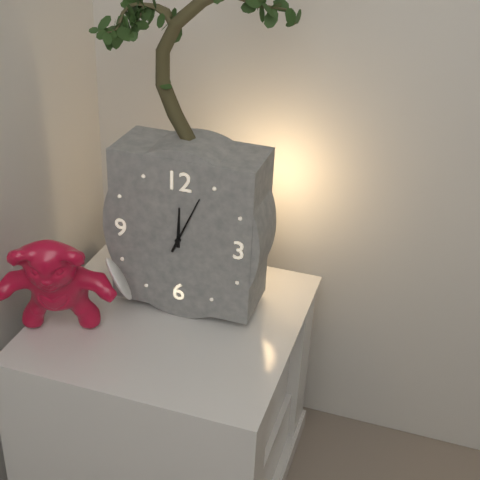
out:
{"hour": 12, "minute": 4}
